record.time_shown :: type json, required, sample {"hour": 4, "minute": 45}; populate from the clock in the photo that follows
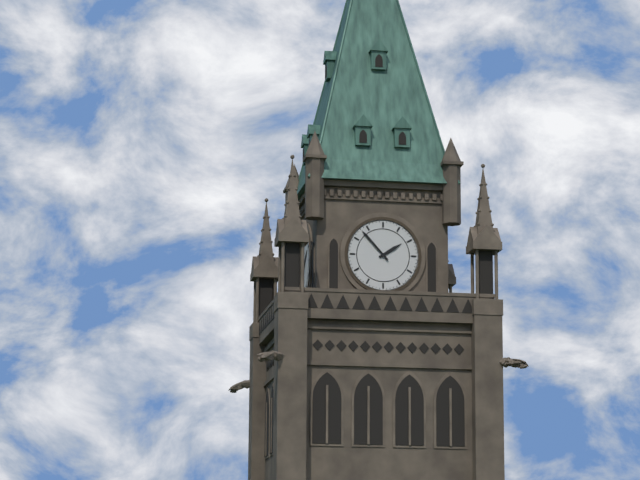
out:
{"hour": 1, "minute": 53}
